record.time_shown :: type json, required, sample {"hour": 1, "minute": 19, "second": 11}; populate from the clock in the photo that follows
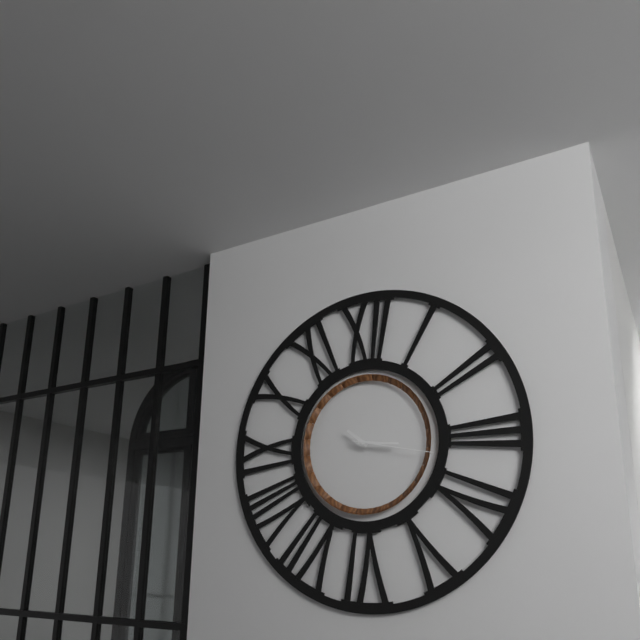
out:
{"hour": 10, "minute": 16, "second": 17}
